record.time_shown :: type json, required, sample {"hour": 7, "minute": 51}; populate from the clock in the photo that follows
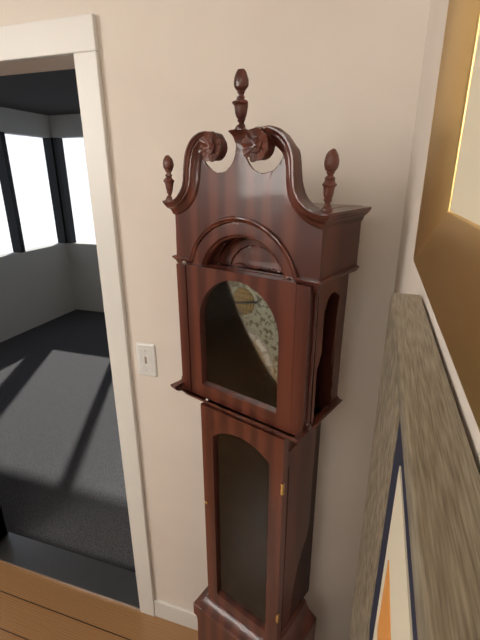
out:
{"hour": 12, "minute": 46}
